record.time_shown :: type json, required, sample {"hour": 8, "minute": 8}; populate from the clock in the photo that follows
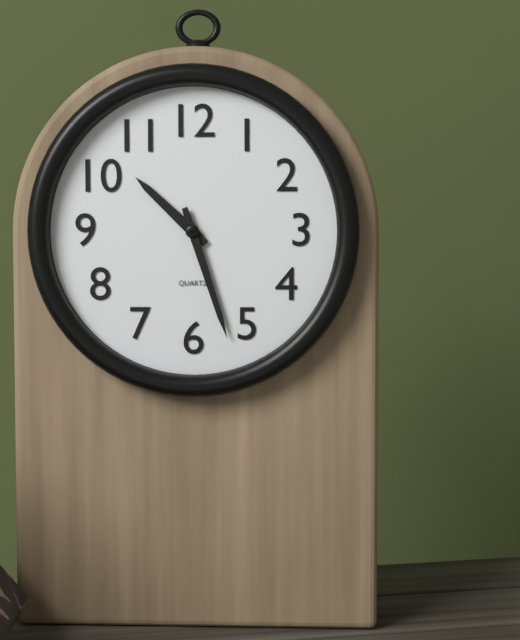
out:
{"hour": 10, "minute": 27}
